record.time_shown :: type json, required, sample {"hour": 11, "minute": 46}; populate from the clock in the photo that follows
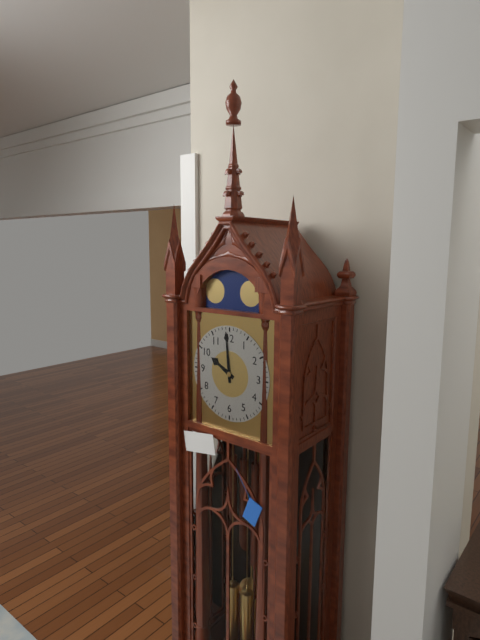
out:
{"hour": 9, "minute": 59}
